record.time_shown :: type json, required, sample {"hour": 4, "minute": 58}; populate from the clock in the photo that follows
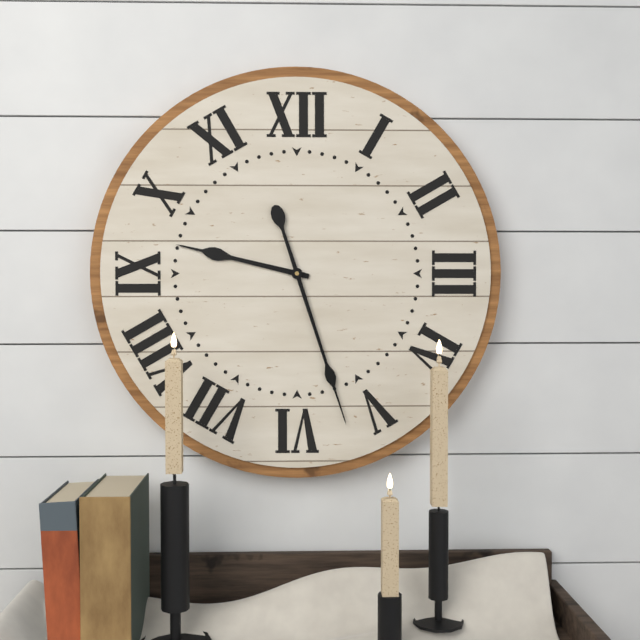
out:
{"hour": 9, "minute": 27}
